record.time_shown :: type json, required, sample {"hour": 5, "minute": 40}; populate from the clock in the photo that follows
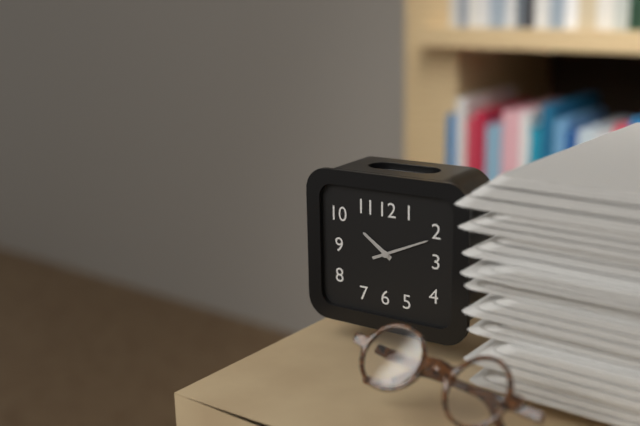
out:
{"hour": 10, "minute": 11}
